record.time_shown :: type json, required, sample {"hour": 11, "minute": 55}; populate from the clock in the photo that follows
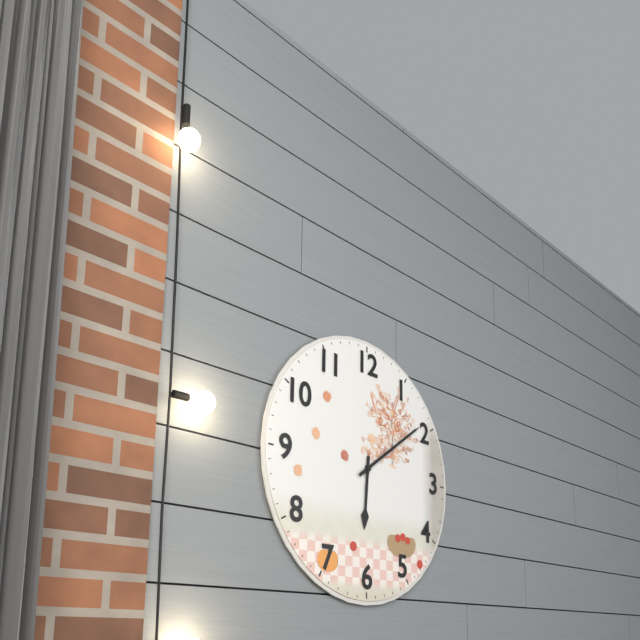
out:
{"hour": 6, "minute": 9}
